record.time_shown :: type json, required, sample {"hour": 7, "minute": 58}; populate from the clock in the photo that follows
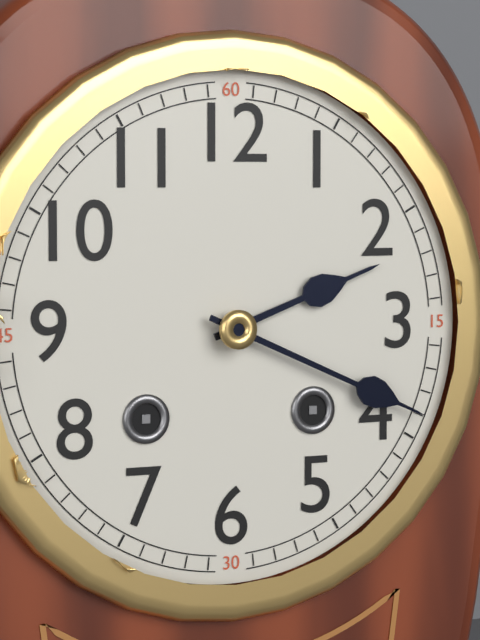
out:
{"hour": 2, "minute": 19}
